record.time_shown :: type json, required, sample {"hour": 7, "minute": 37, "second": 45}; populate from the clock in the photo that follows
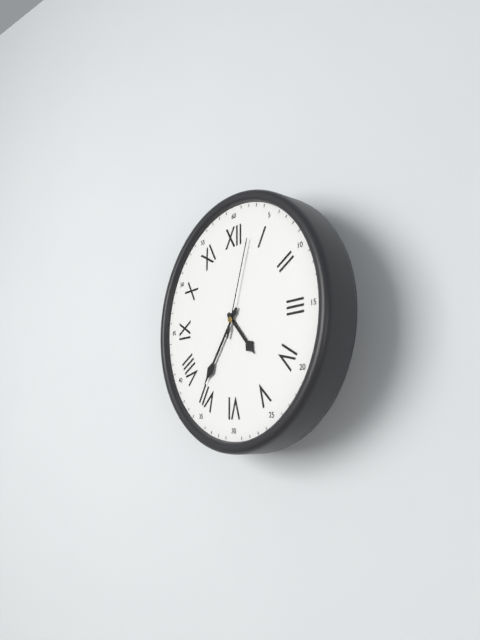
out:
{"hour": 4, "minute": 36, "second": 3}
